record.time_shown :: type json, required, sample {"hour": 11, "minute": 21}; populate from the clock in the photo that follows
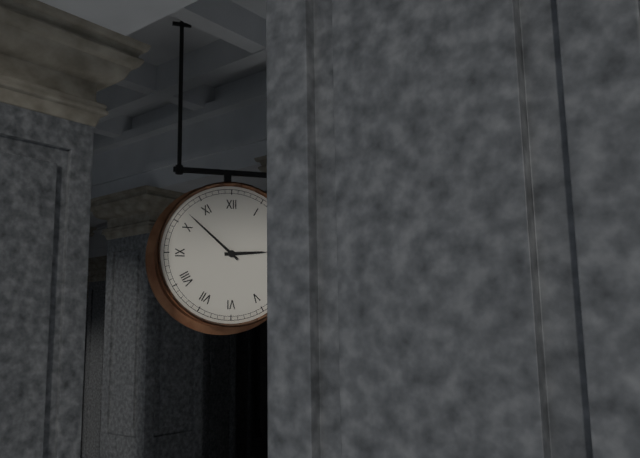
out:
{"hour": 2, "minute": 52}
